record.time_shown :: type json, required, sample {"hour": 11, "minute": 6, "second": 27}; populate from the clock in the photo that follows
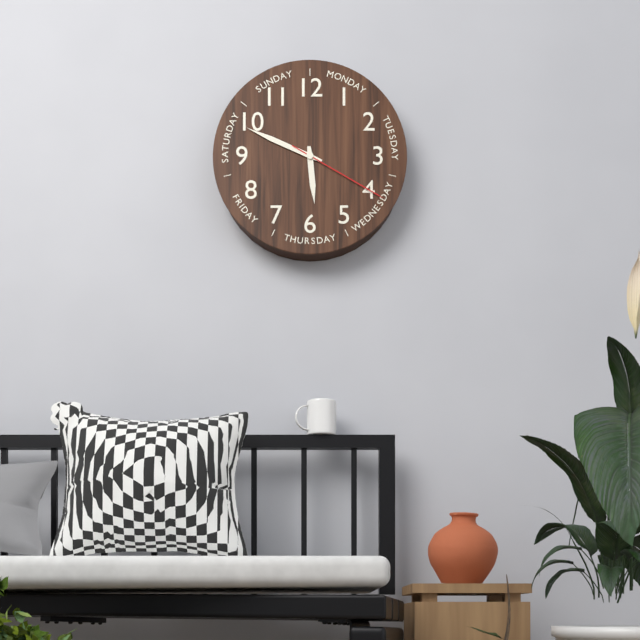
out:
{"hour": 5, "minute": 49, "second": 20}
